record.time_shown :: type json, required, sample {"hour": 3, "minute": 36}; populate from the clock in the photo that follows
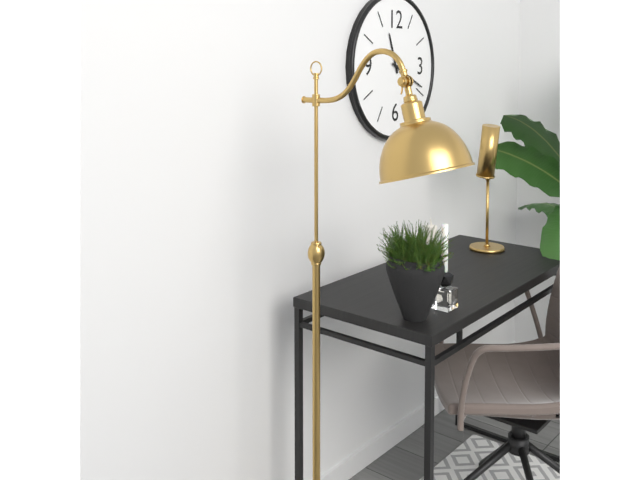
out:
{"hour": 11, "minute": 19}
